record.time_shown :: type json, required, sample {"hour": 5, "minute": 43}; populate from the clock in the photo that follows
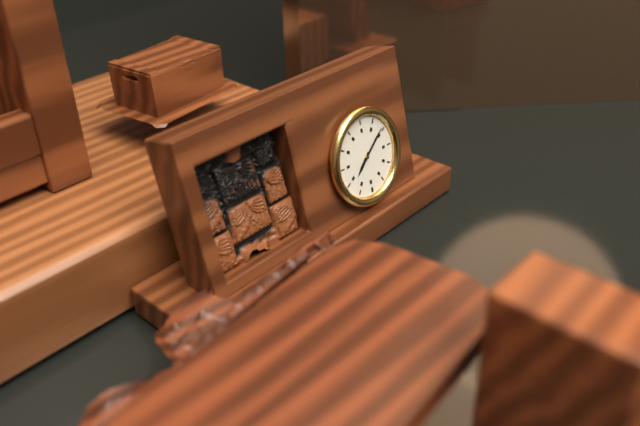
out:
{"hour": 1, "minute": 39}
